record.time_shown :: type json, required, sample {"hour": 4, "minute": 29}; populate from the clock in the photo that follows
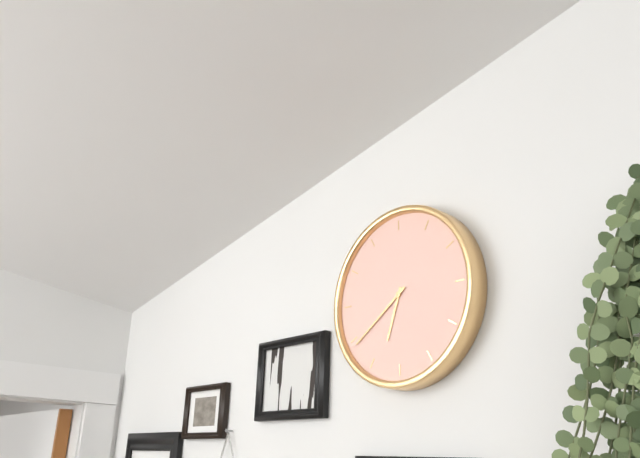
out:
{"hour": 6, "minute": 39}
